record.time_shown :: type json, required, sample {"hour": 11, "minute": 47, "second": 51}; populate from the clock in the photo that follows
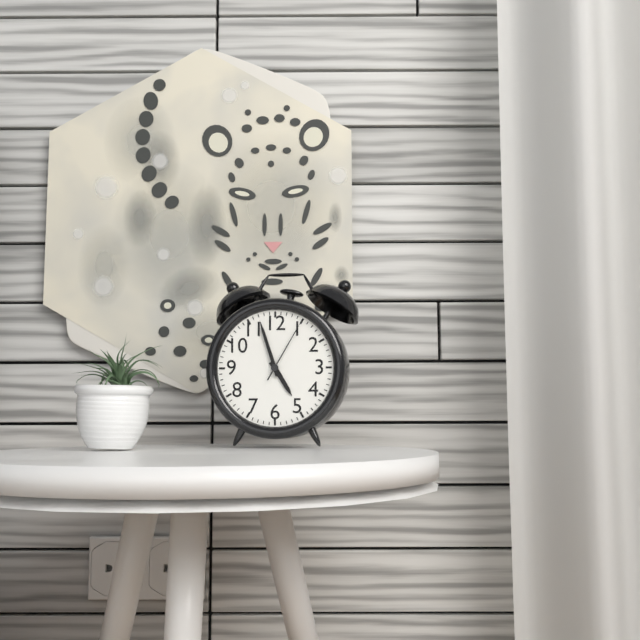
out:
{"hour": 4, "minute": 57, "second": 5}
